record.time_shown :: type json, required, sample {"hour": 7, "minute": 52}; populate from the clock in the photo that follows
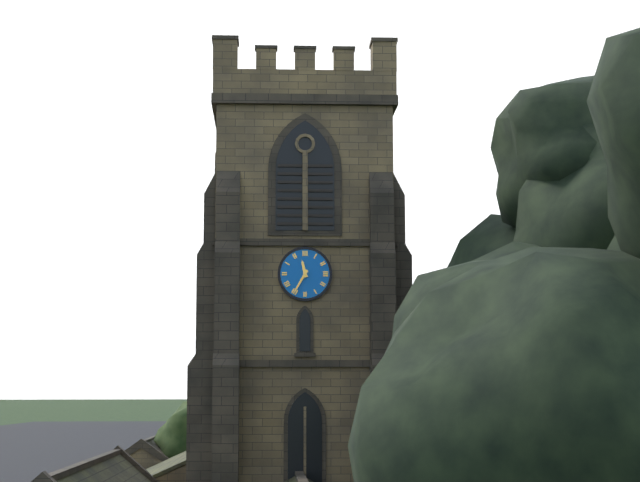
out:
{"hour": 11, "minute": 35}
